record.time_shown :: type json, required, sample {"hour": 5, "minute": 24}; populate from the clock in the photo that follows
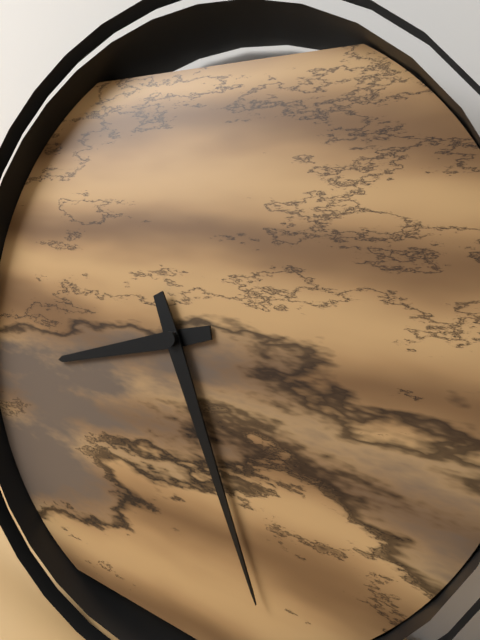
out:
{"hour": 8, "minute": 25}
